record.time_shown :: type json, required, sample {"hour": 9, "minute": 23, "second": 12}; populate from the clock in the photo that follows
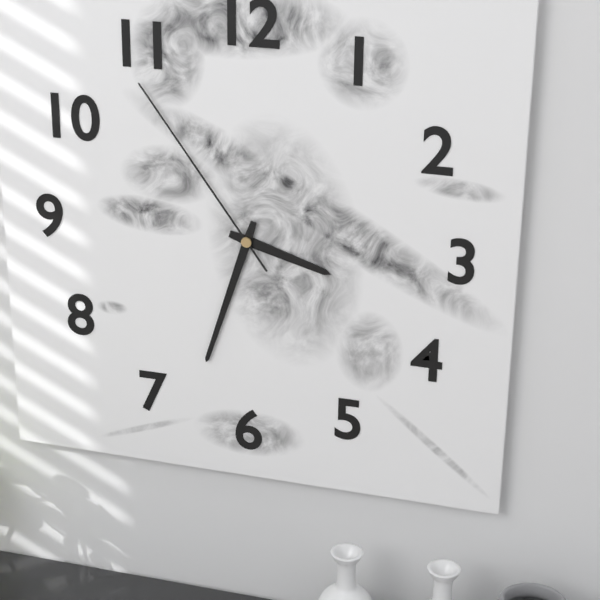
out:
{"hour": 3, "minute": 33, "second": 54}
